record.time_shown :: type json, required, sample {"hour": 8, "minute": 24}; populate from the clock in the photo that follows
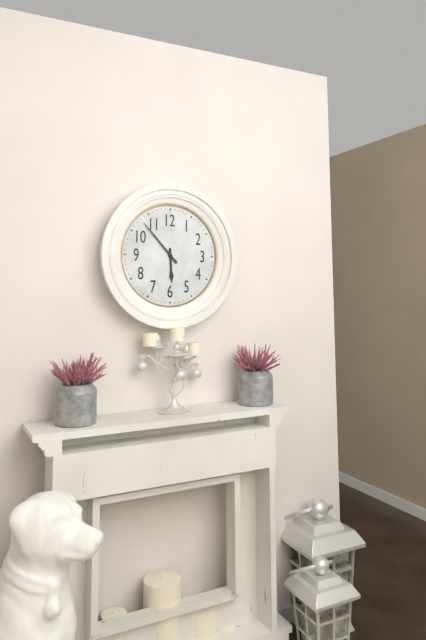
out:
{"hour": 5, "minute": 53}
